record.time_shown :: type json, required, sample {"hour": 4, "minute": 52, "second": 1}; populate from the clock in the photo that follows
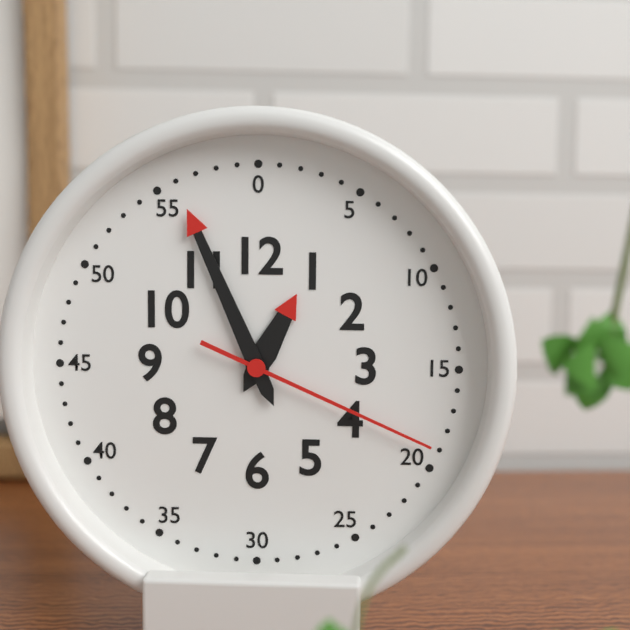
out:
{"hour": 12, "minute": 56, "second": 19}
